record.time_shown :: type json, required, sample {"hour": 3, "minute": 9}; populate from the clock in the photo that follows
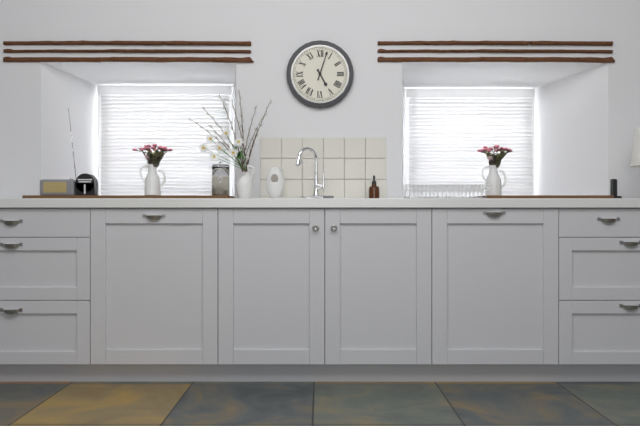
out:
{"hour": 5, "minute": 3}
